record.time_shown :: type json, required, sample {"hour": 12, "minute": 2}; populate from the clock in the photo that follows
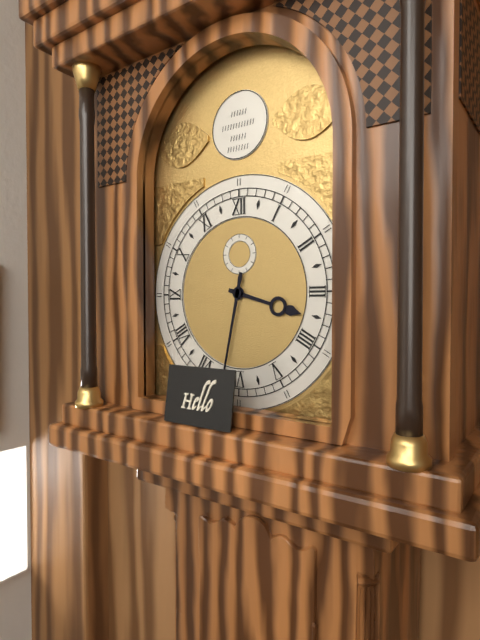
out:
{"hour": 3, "minute": 32}
